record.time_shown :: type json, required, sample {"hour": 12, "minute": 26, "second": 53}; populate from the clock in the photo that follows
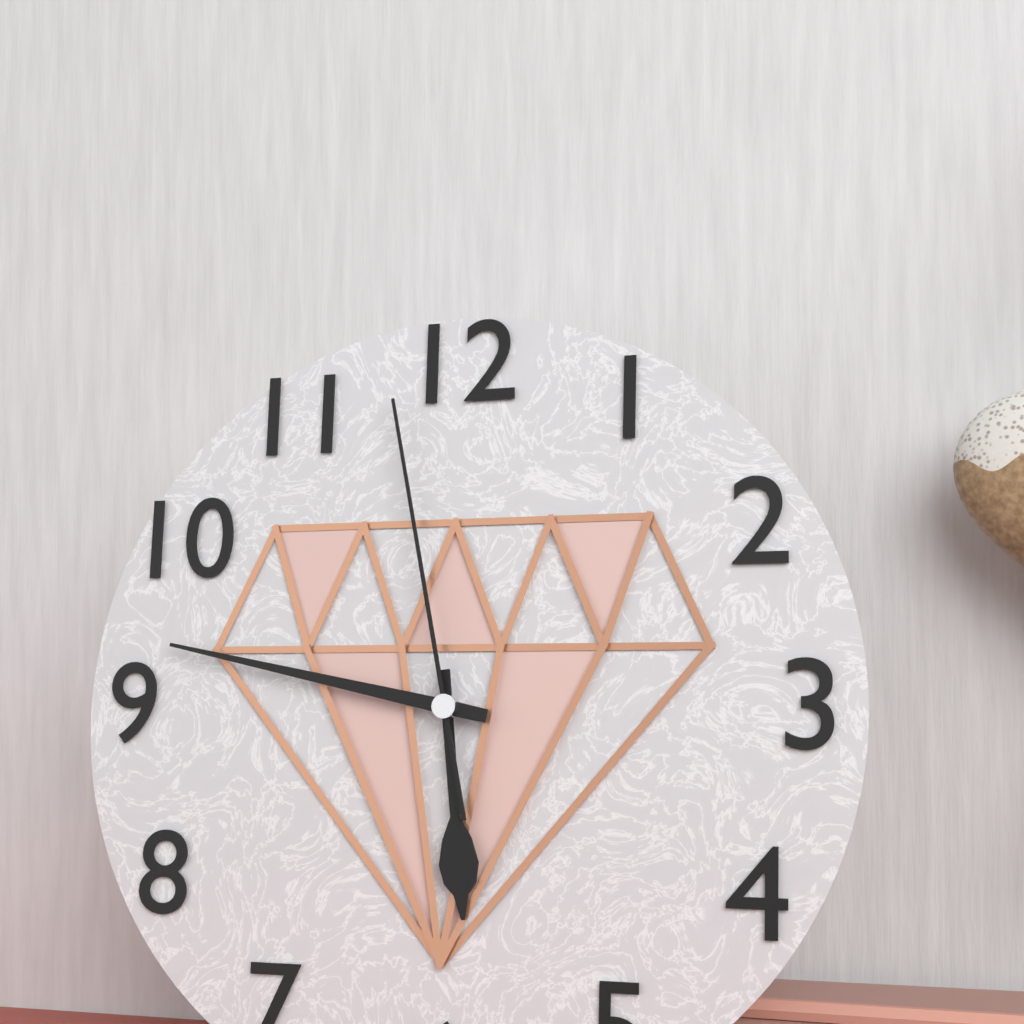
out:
{"hour": 5, "minute": 47, "second": 58}
